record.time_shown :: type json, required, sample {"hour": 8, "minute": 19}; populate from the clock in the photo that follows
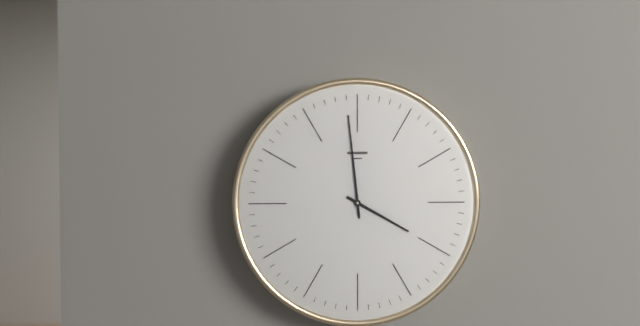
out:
{"hour": 3, "minute": 59}
